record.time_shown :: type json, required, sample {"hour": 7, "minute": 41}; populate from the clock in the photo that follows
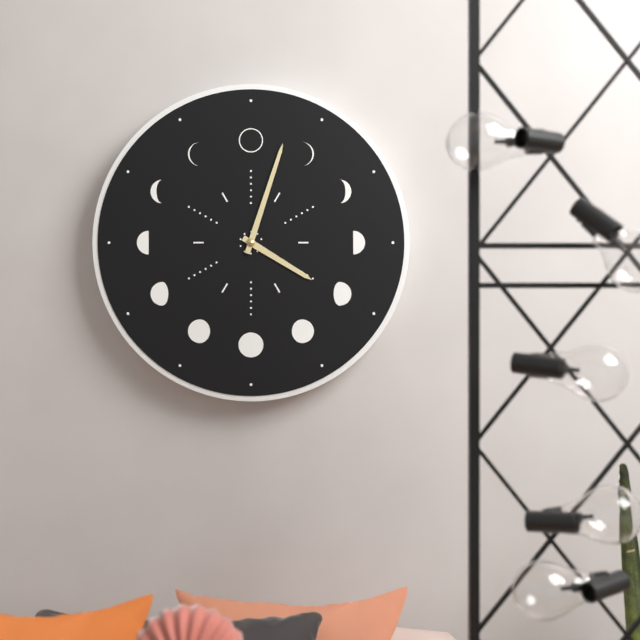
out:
{"hour": 4, "minute": 3}
